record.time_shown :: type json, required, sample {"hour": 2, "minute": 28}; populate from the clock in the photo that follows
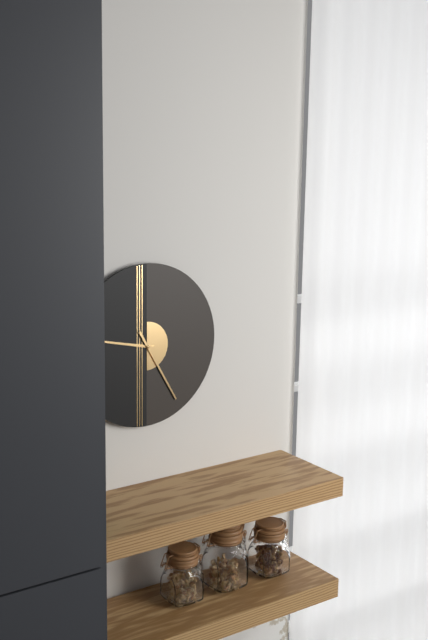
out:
{"hour": 9, "minute": 25}
